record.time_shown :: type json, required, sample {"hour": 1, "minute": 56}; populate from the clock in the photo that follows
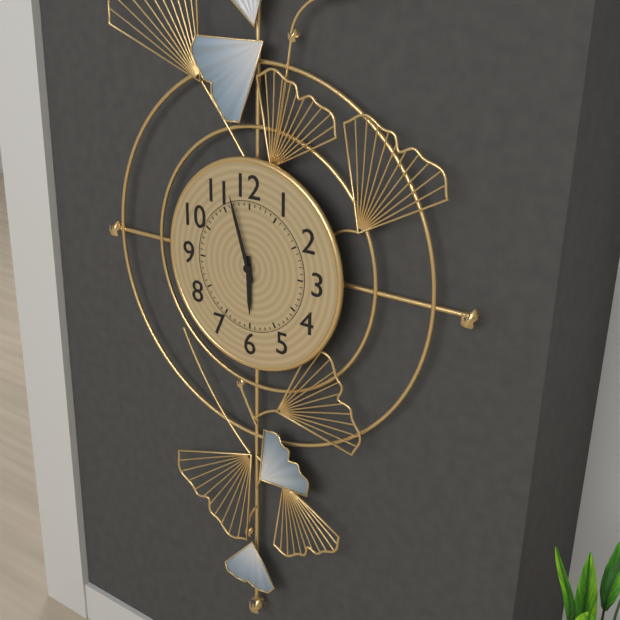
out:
{"hour": 5, "minute": 57}
